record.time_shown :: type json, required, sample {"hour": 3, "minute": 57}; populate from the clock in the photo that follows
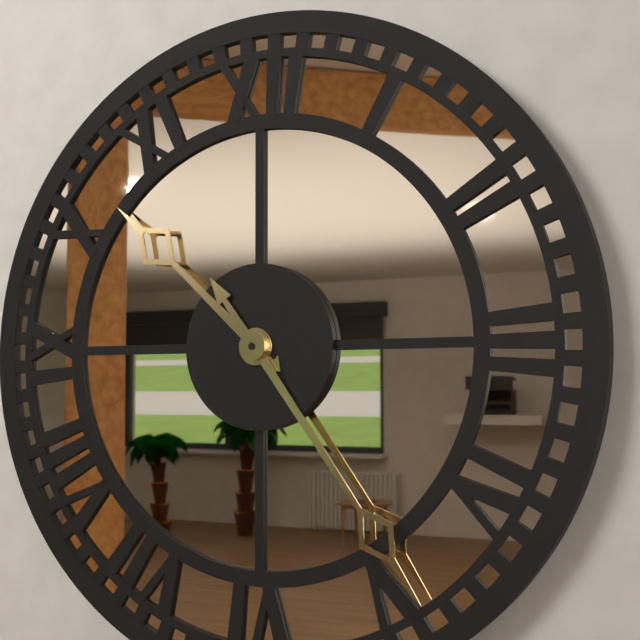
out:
{"hour": 10, "minute": 24}
